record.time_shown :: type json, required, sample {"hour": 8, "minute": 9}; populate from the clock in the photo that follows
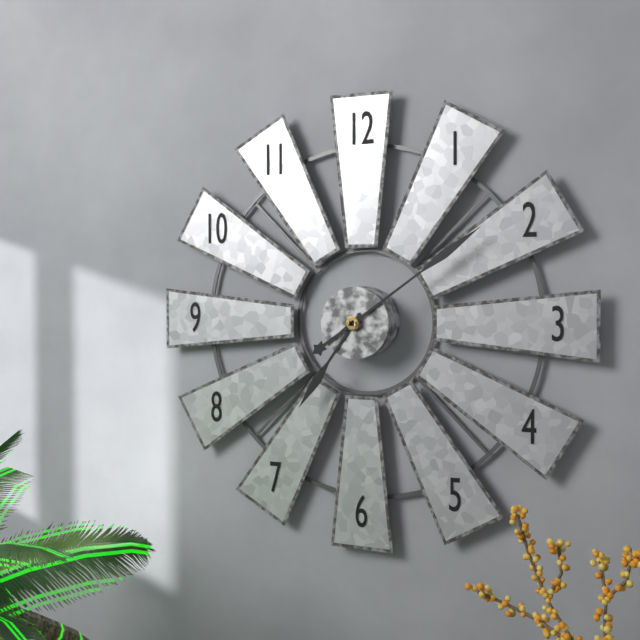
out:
{"hour": 7, "minute": 9}
